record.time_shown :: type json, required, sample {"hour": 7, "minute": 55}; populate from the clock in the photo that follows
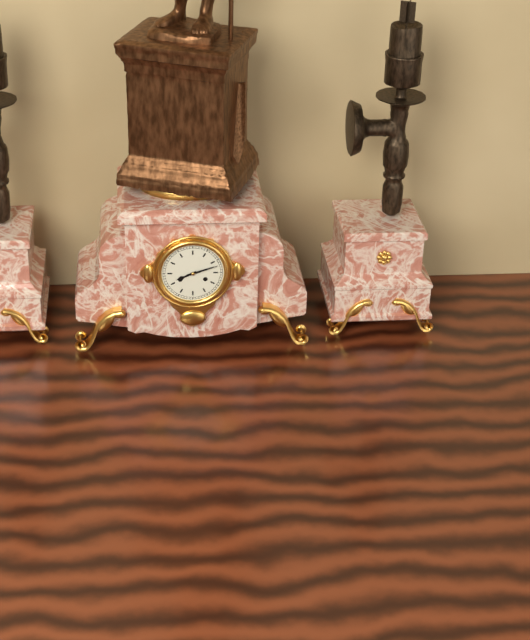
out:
{"hour": 8, "minute": 12}
